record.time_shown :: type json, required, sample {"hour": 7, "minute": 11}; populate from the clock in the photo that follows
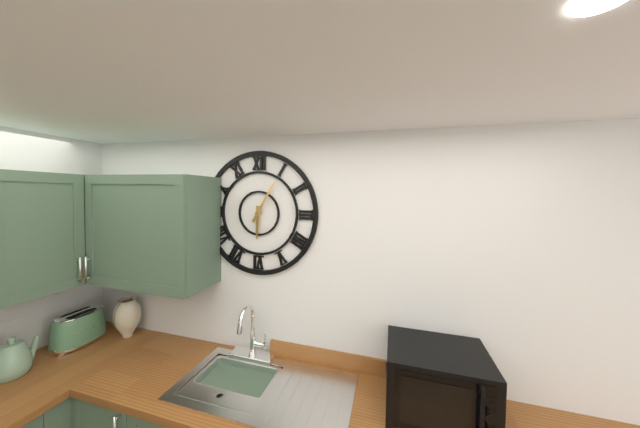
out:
{"hour": 6, "minute": 5}
